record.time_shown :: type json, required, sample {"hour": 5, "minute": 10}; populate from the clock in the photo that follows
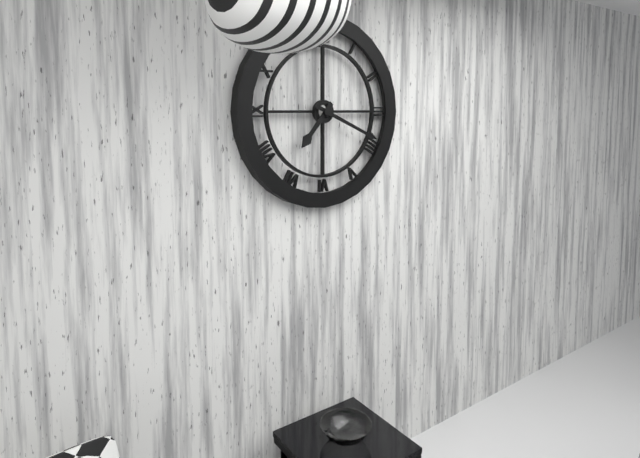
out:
{"hour": 7, "minute": 19}
